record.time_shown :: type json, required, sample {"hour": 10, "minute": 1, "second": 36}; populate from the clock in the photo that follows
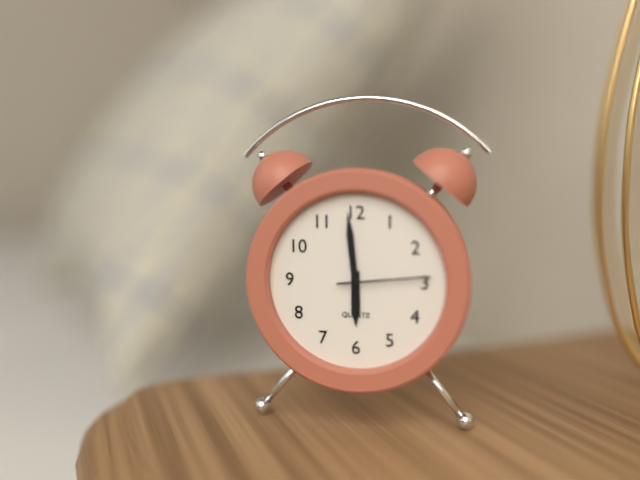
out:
{"hour": 5, "minute": 59, "second": 14}
